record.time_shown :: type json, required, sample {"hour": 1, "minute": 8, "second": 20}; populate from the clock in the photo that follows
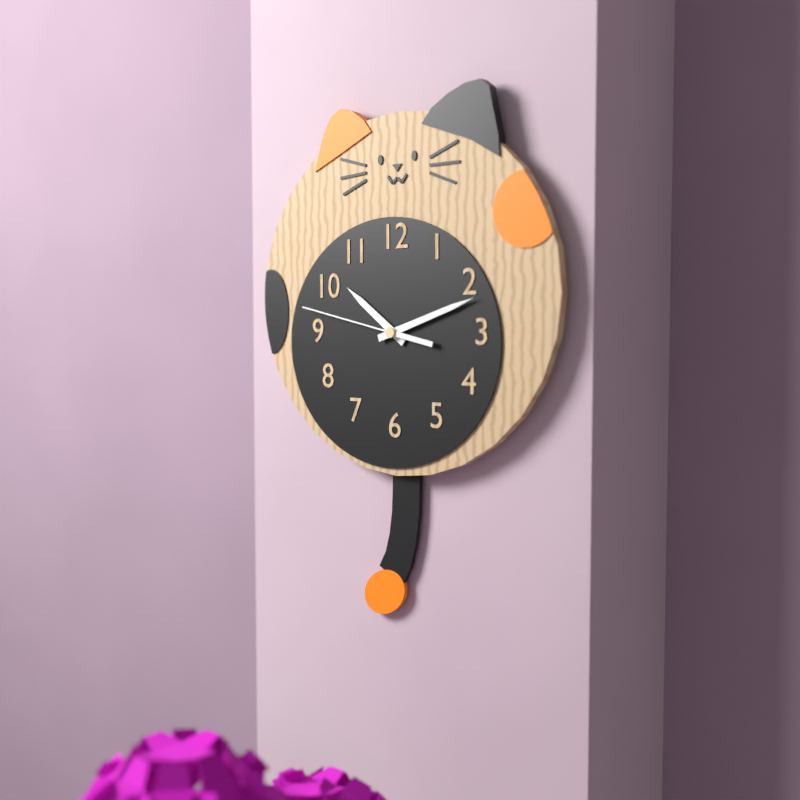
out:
{"hour": 10, "minute": 12, "second": 47}
